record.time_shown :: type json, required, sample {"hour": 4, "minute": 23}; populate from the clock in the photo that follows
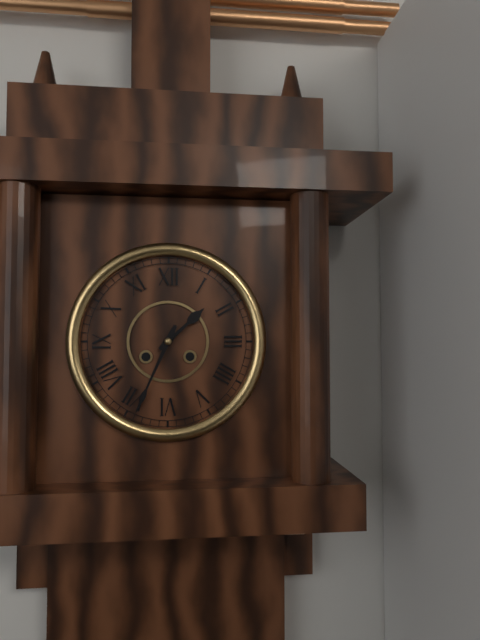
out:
{"hour": 1, "minute": 34}
